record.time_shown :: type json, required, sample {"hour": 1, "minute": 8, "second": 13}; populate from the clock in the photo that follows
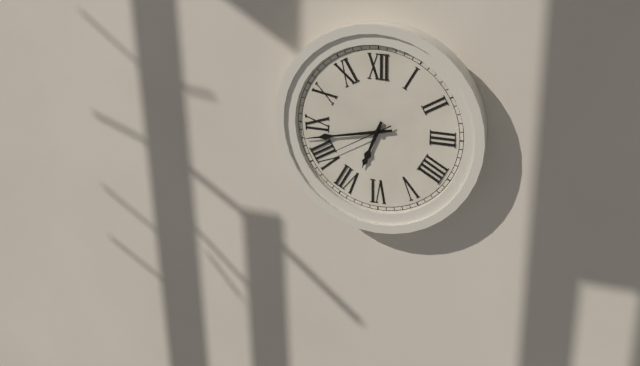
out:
{"hour": 6, "minute": 43, "second": 40}
